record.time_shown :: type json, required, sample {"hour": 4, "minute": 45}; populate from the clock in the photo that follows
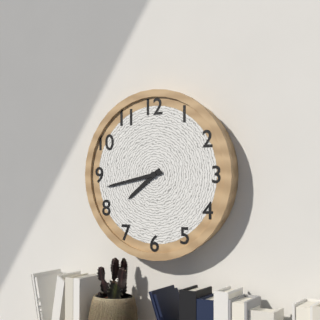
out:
{"hour": 7, "minute": 43}
